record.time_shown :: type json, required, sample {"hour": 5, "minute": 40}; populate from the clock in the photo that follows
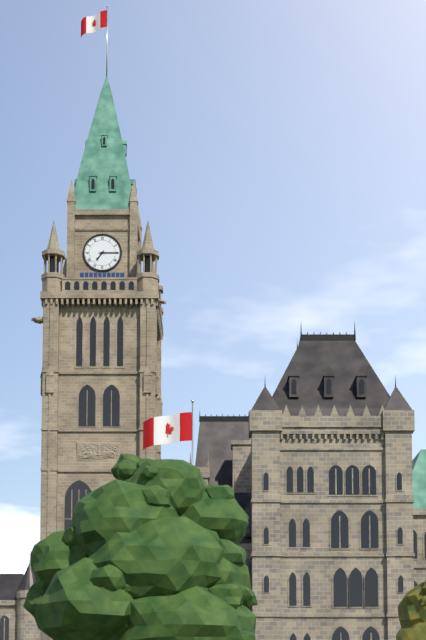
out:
{"hour": 7, "minute": 15}
